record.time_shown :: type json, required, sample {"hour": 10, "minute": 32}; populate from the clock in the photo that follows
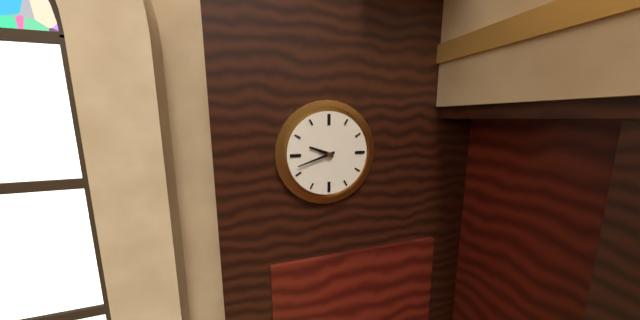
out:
{"hour": 9, "minute": 42}
